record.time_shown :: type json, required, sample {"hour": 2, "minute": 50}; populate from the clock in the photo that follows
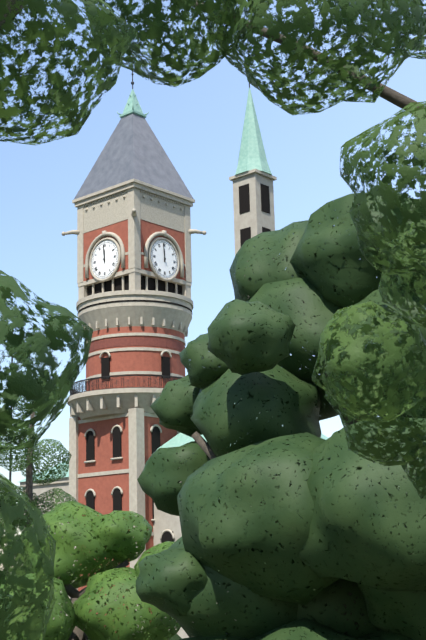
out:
{"hour": 11, "minute": 59}
